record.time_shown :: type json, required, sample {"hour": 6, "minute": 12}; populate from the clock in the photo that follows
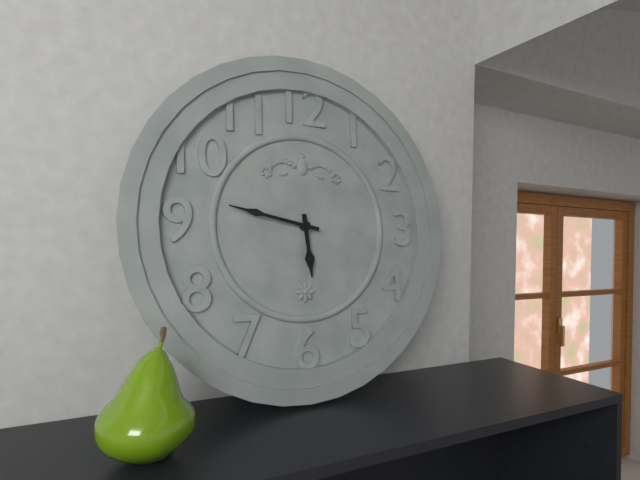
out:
{"hour": 5, "minute": 47}
